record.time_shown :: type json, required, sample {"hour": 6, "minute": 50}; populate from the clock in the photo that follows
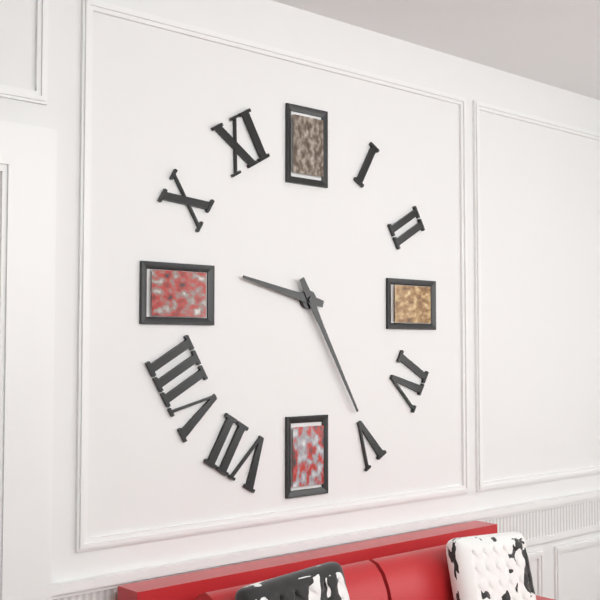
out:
{"hour": 9, "minute": 25}
